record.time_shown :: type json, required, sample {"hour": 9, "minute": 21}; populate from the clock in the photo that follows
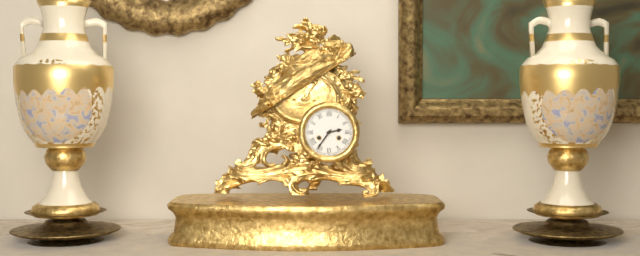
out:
{"hour": 2, "minute": 36}
